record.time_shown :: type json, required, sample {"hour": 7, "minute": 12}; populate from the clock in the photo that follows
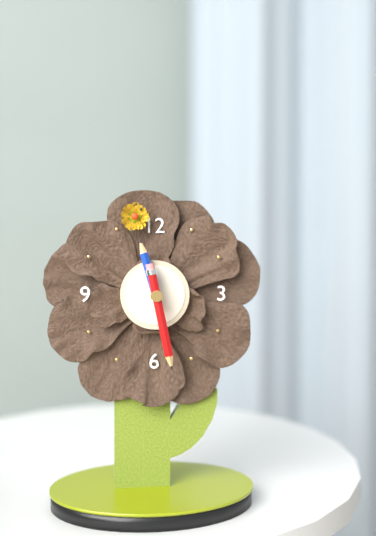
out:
{"hour": 11, "minute": 28}
